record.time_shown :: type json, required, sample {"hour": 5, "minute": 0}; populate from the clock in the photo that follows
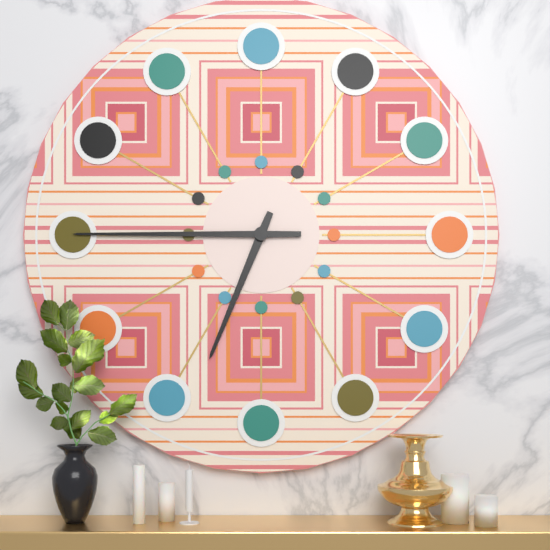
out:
{"hour": 6, "minute": 45}
